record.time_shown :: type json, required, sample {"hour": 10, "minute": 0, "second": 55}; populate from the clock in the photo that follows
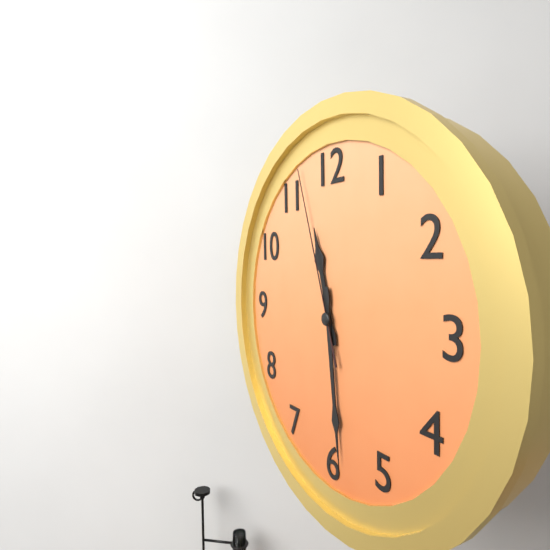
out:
{"hour": 11, "minute": 29, "second": 57}
